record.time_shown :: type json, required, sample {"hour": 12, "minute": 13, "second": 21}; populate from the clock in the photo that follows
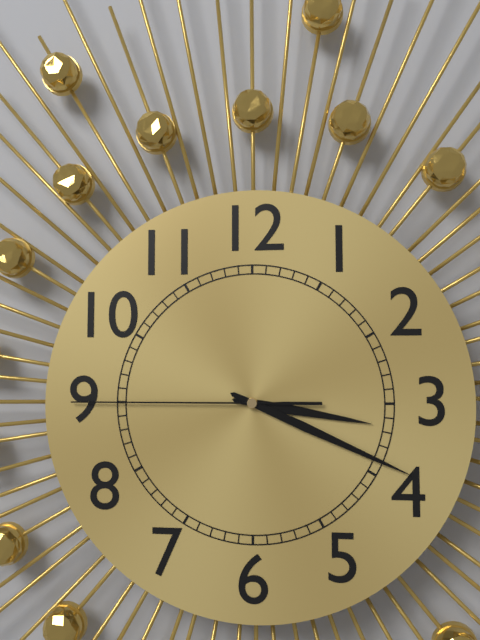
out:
{"hour": 3, "minute": 19, "second": 45}
